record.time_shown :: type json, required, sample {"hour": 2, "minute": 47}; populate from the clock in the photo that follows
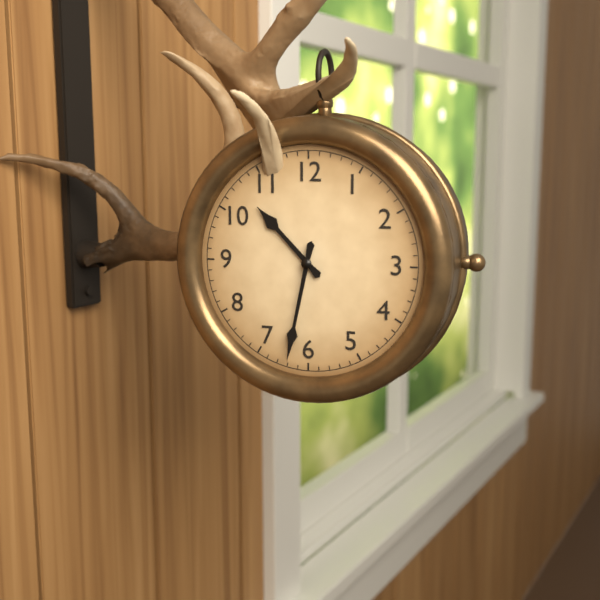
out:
{"hour": 10, "minute": 32}
